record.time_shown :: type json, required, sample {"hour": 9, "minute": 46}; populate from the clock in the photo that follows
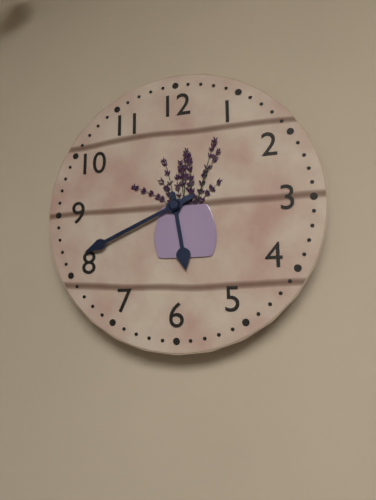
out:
{"hour": 5, "minute": 41}
